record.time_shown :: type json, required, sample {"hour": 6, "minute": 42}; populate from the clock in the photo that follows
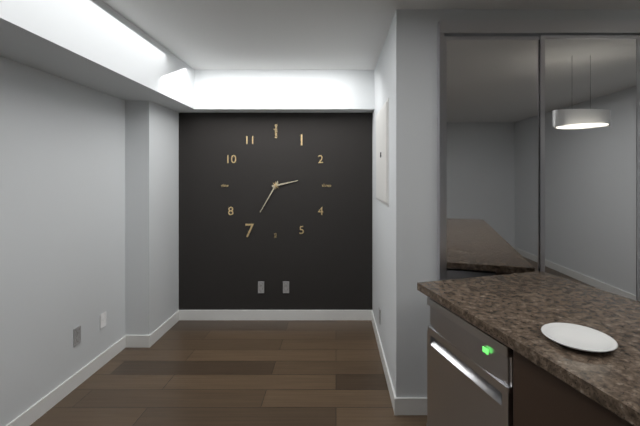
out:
{"hour": 2, "minute": 35}
